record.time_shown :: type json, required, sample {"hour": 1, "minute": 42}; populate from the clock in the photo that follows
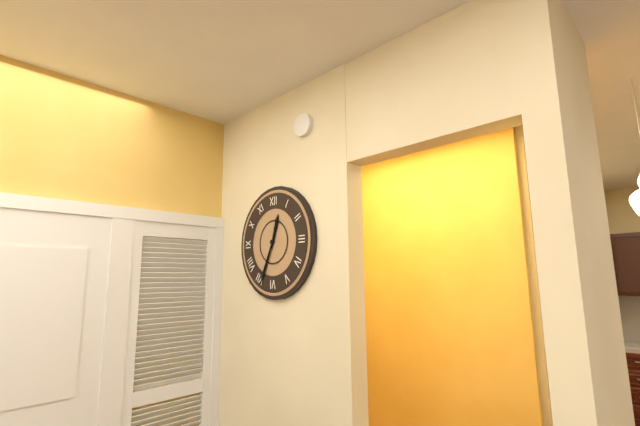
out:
{"hour": 12, "minute": 34}
